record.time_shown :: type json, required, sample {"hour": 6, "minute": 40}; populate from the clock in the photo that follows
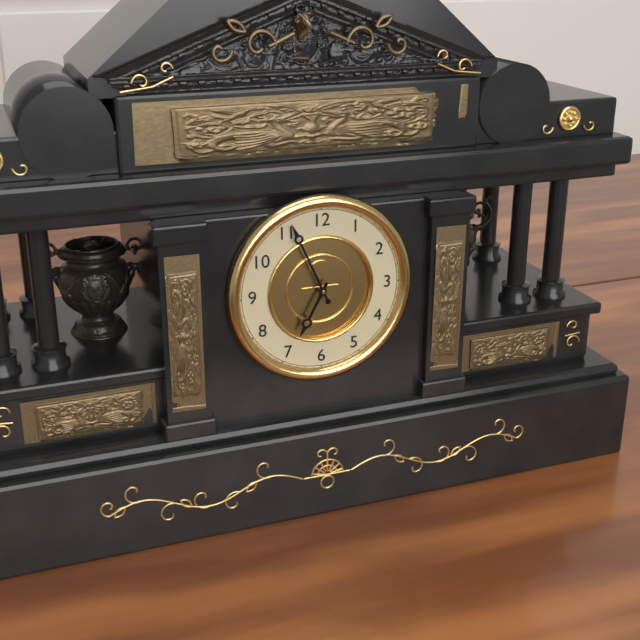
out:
{"hour": 6, "minute": 56}
